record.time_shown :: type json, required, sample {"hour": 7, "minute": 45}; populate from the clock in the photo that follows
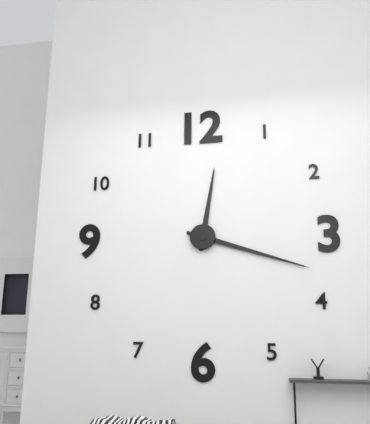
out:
{"hour": 12, "minute": 18}
